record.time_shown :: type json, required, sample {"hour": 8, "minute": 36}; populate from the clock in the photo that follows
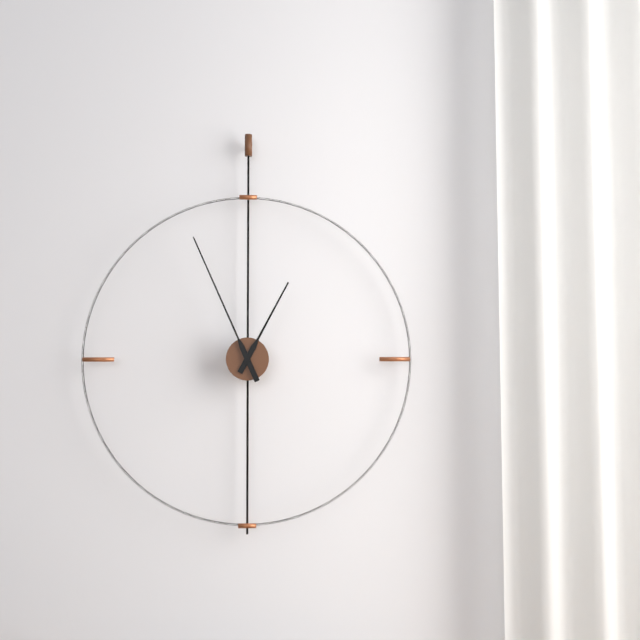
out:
{"hour": 12, "minute": 56}
